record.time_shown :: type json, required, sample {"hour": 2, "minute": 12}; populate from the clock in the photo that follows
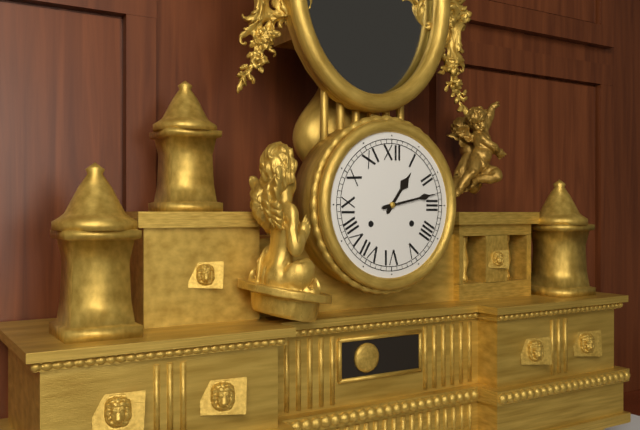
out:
{"hour": 1, "minute": 13}
